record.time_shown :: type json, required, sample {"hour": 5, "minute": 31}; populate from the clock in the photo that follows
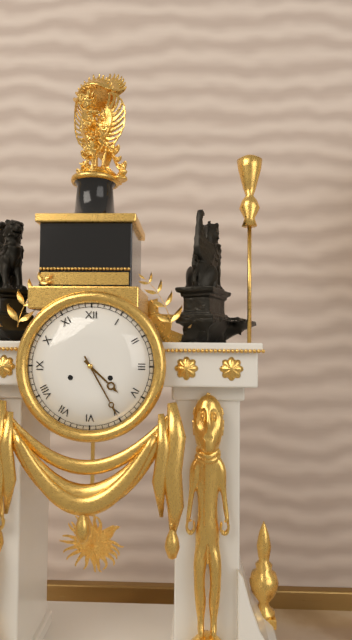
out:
{"hour": 4, "minute": 25}
